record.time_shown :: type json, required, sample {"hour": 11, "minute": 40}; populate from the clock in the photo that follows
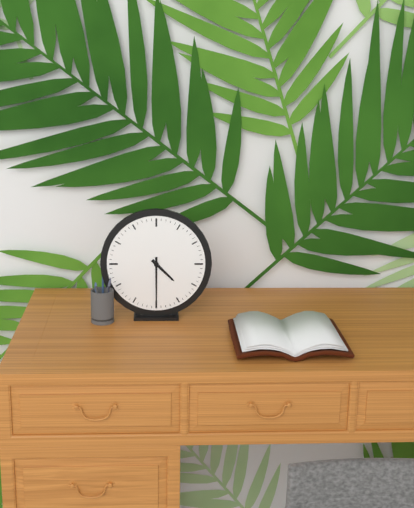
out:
{"hour": 4, "minute": 30}
